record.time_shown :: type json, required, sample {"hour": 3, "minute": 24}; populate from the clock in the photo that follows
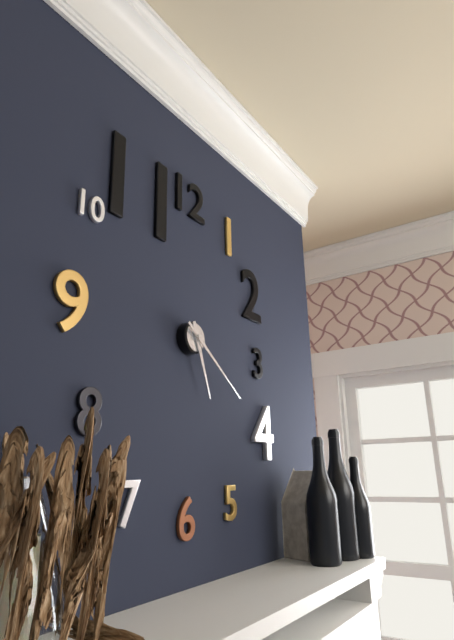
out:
{"hour": 5, "minute": 21}
